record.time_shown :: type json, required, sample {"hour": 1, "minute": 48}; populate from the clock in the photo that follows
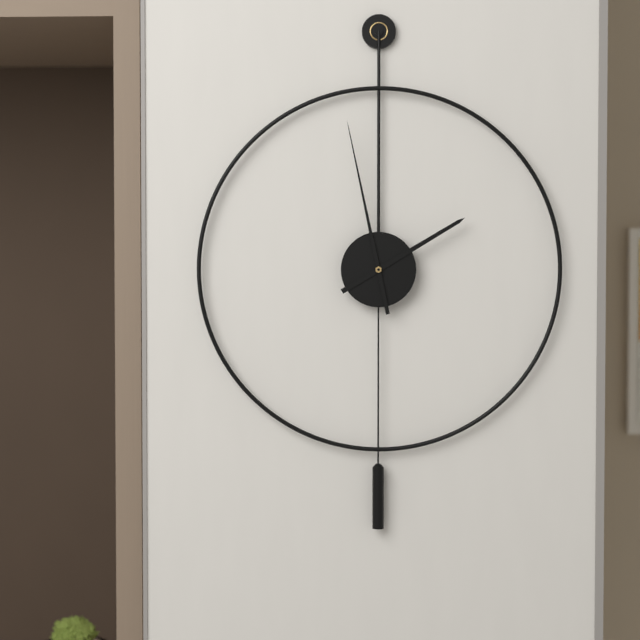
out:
{"hour": 1, "minute": 58}
